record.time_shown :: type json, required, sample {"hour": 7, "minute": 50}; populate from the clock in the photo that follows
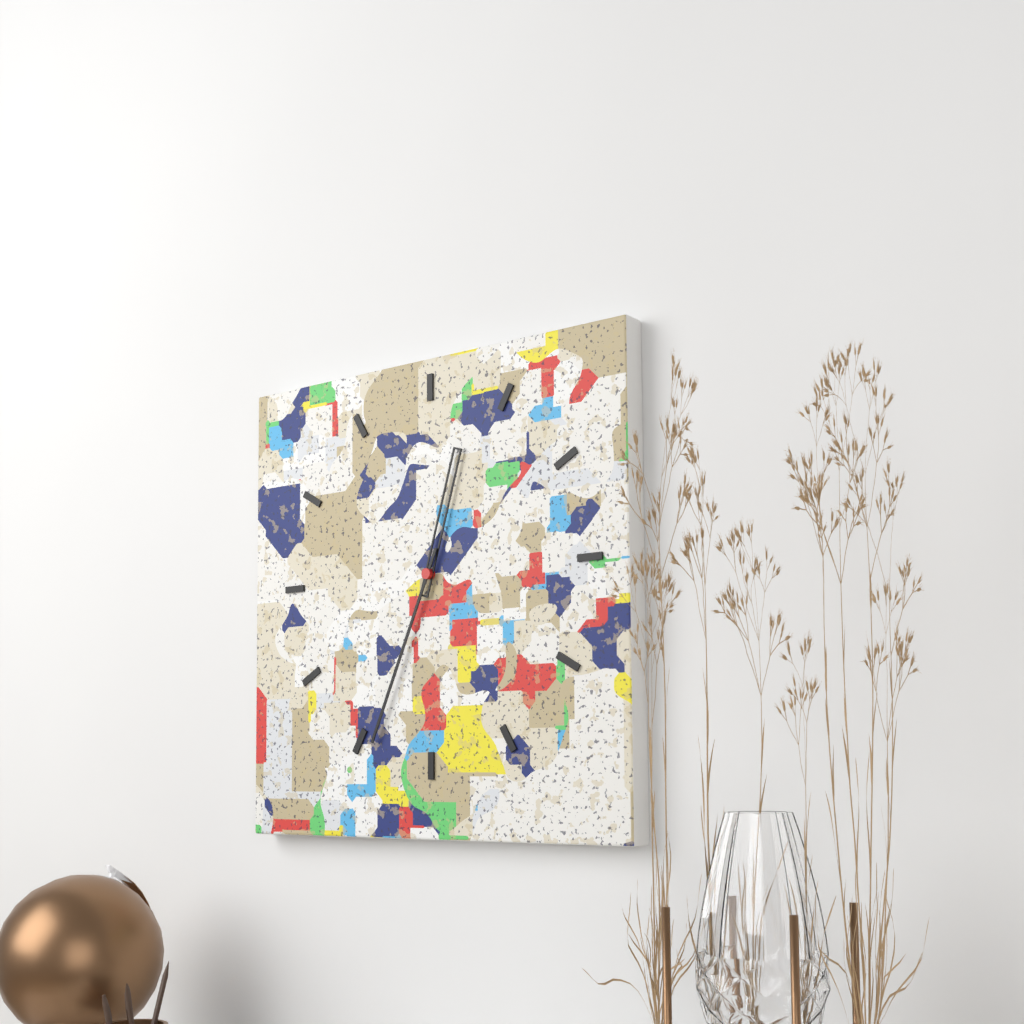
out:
{"hour": 12, "minute": 34}
